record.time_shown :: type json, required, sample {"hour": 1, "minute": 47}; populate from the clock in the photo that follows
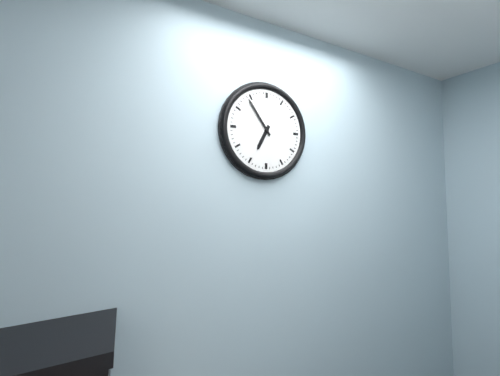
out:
{"hour": 6, "minute": 54}
